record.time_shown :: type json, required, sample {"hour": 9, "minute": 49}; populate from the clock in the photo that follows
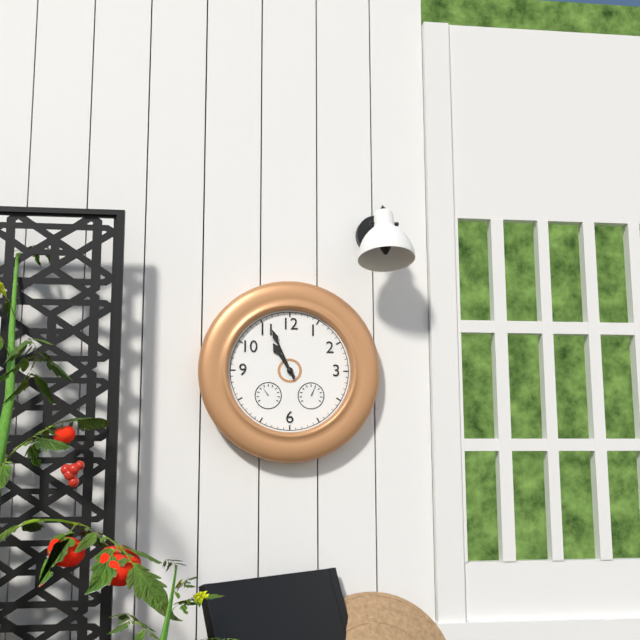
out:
{"hour": 10, "minute": 56}
